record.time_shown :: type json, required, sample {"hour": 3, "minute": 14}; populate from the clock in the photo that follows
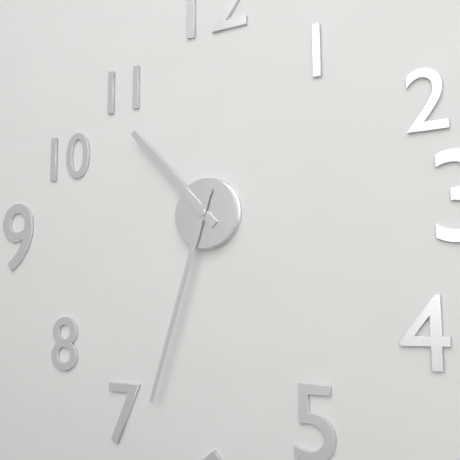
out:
{"hour": 10, "minute": 33}
